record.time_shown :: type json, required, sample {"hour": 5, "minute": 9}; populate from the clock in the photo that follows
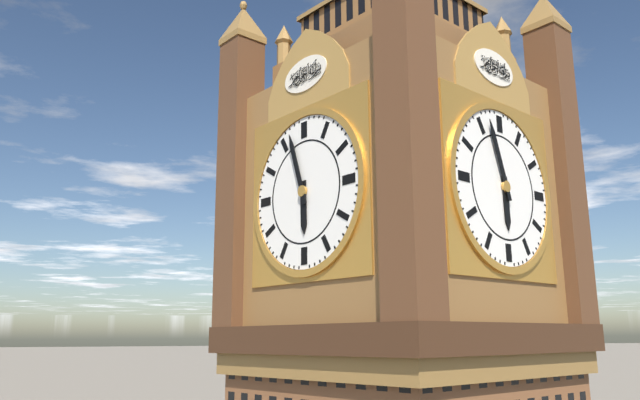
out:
{"hour": 5, "minute": 57}
